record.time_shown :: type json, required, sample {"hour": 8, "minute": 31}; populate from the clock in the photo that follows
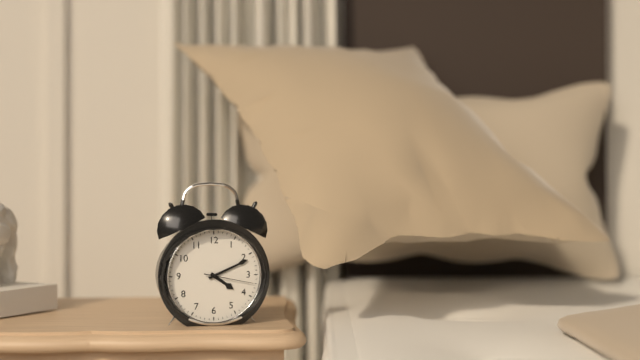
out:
{"hour": 4, "minute": 11}
